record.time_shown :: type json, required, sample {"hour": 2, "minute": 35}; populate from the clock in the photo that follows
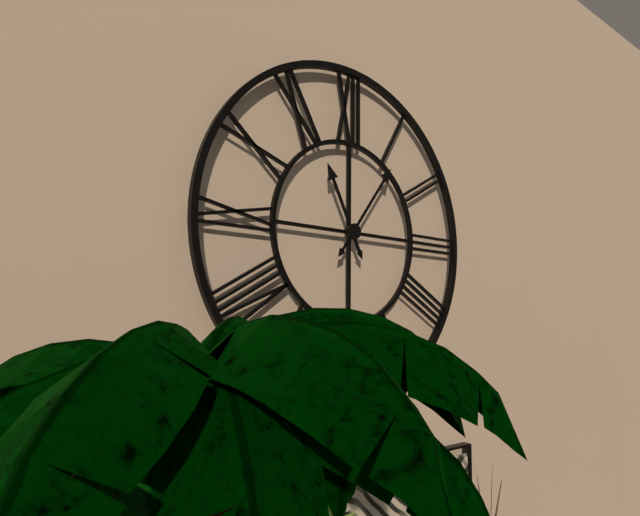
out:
{"hour": 11, "minute": 6}
